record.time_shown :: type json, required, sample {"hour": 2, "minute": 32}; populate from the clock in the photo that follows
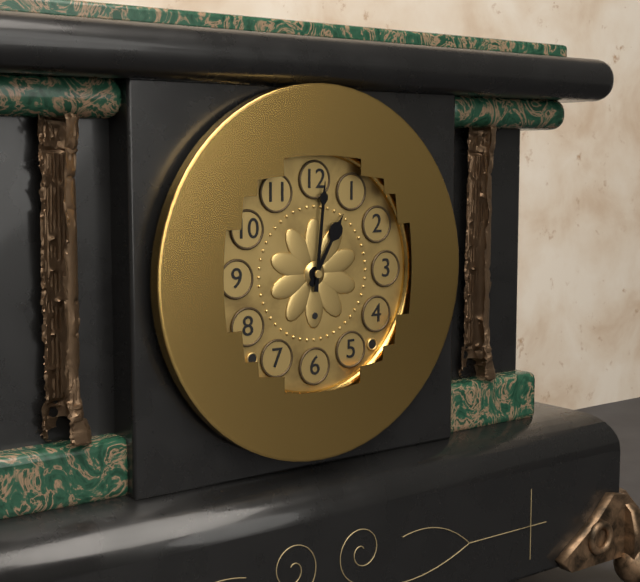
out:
{"hour": 1, "minute": 1}
